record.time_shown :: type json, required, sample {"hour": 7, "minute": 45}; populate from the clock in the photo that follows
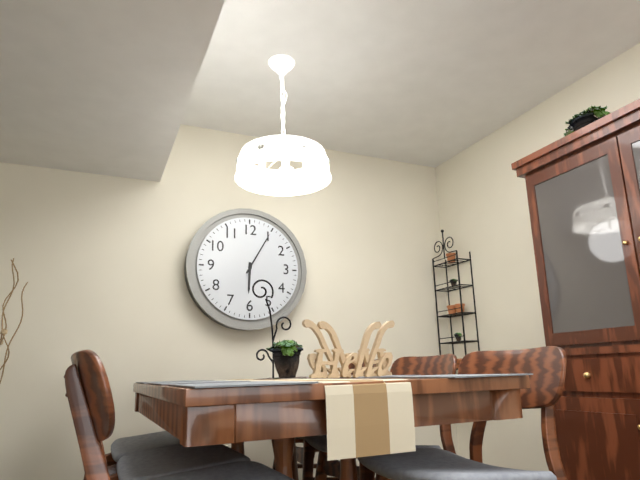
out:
{"hour": 6, "minute": 5}
